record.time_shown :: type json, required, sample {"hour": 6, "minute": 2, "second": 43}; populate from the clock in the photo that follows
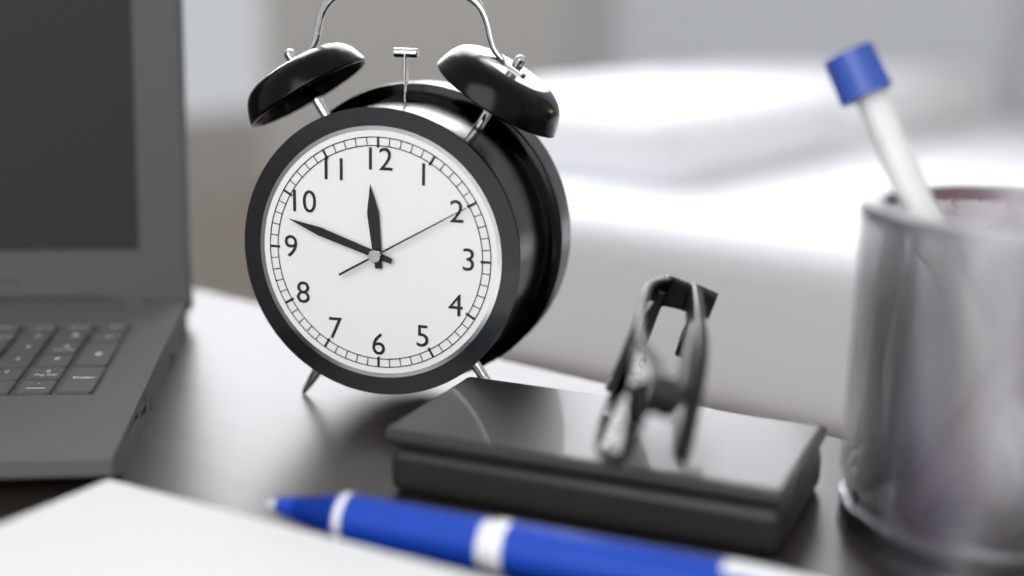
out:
{"hour": 11, "minute": 48, "second": 10}
